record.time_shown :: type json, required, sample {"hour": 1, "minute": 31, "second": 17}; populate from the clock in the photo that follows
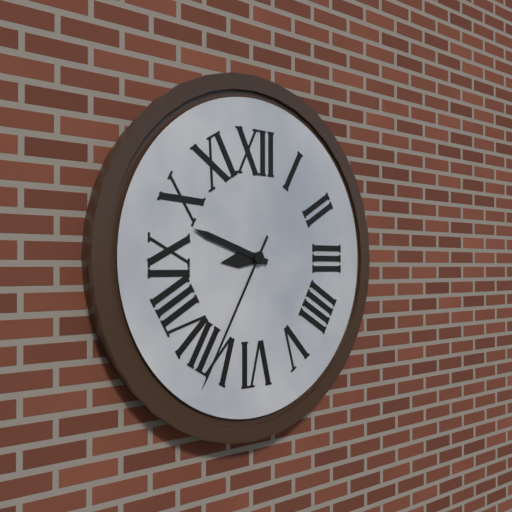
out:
{"hour": 8, "minute": 48, "second": 35}
